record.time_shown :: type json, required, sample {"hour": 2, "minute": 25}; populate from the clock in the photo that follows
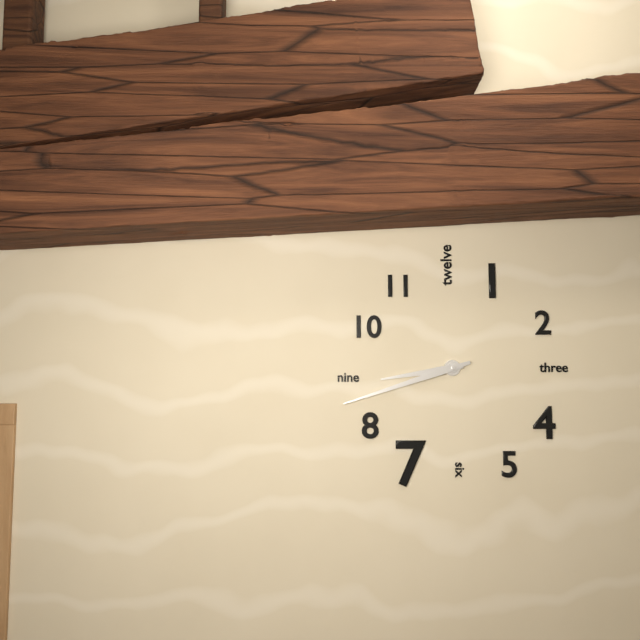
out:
{"hour": 8, "minute": 42}
